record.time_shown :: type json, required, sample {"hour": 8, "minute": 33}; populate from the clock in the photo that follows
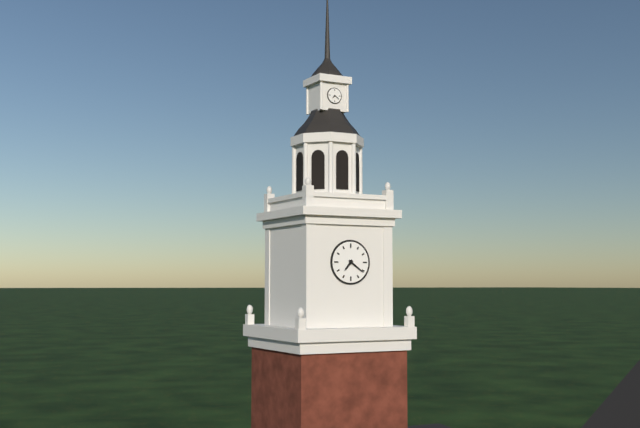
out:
{"hour": 7, "minute": 21}
